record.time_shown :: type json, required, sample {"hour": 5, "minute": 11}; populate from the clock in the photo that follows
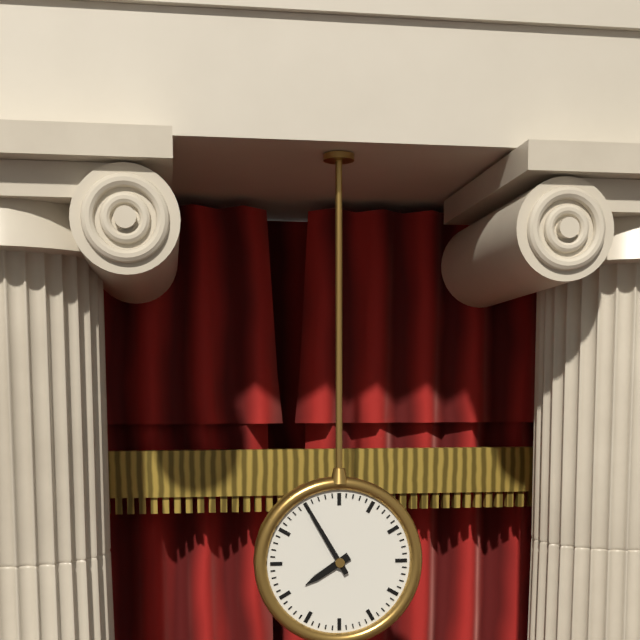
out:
{"hour": 7, "minute": 55}
